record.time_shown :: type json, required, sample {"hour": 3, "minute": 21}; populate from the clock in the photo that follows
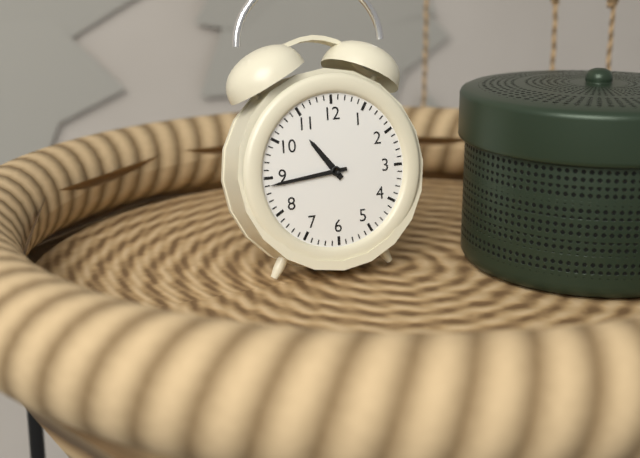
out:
{"hour": 10, "minute": 44}
